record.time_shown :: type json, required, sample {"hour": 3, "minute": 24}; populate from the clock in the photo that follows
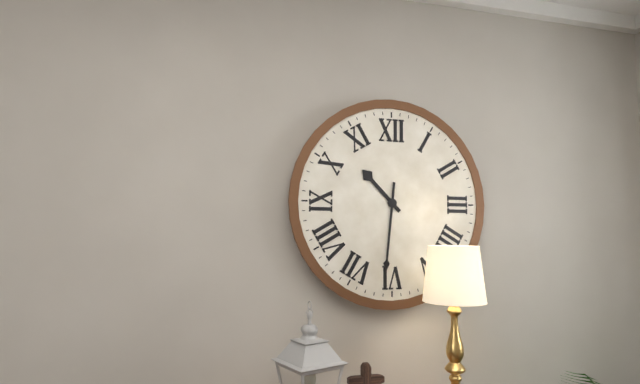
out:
{"hour": 10, "minute": 31}
